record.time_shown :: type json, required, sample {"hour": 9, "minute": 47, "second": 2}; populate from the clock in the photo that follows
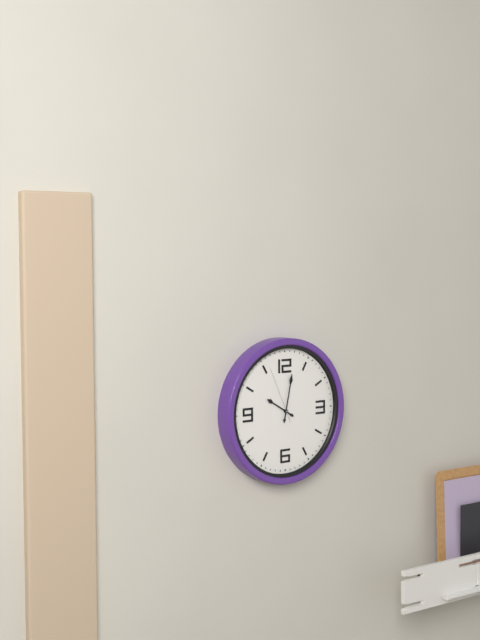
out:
{"hour": 10, "minute": 2, "second": 56}
